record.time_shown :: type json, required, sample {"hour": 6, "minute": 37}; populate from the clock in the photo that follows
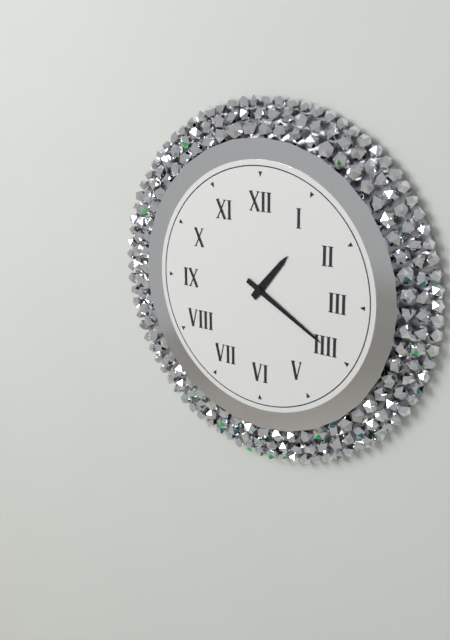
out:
{"hour": 1, "minute": 20}
